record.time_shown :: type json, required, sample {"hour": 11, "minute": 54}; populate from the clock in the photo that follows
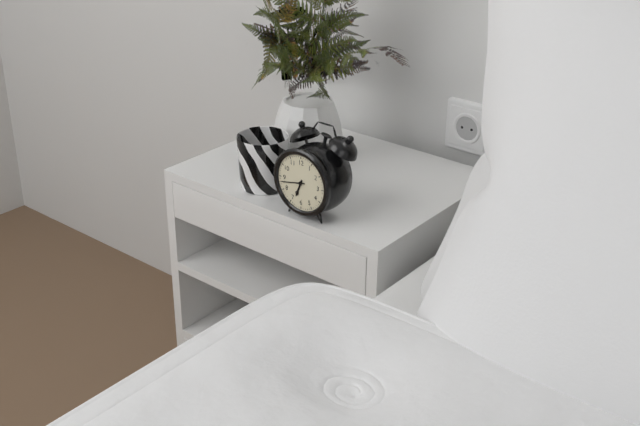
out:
{"hour": 6, "minute": 43}
